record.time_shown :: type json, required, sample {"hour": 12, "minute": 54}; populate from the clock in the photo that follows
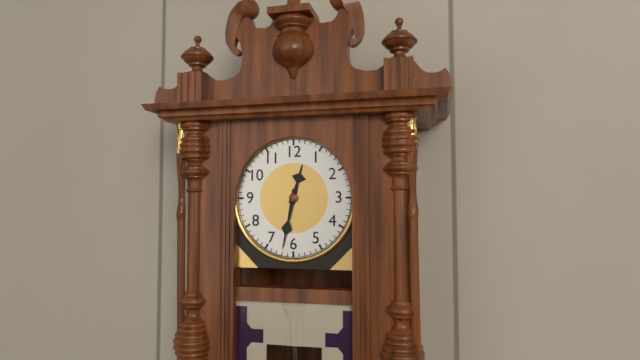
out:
{"hour": 12, "minute": 32}
